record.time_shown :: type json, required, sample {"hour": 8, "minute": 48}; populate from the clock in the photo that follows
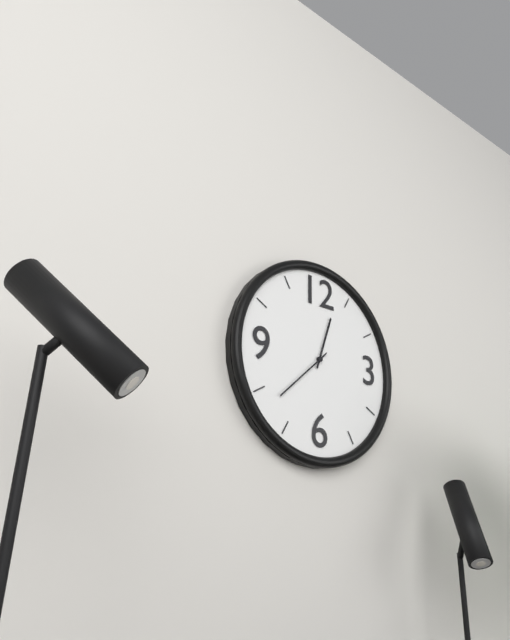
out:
{"hour": 12, "minute": 38}
